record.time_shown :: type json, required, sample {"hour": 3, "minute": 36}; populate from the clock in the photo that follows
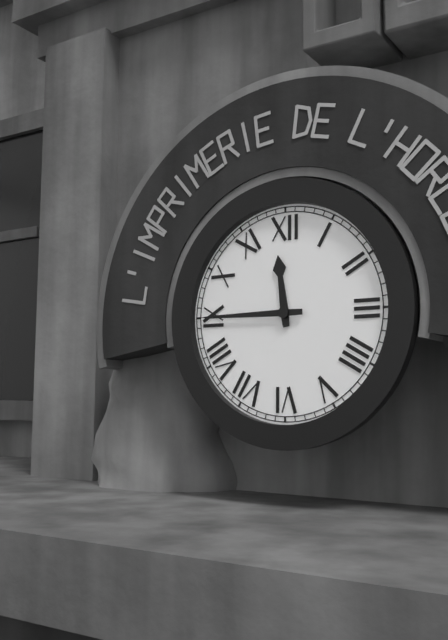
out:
{"hour": 11, "minute": 45}
